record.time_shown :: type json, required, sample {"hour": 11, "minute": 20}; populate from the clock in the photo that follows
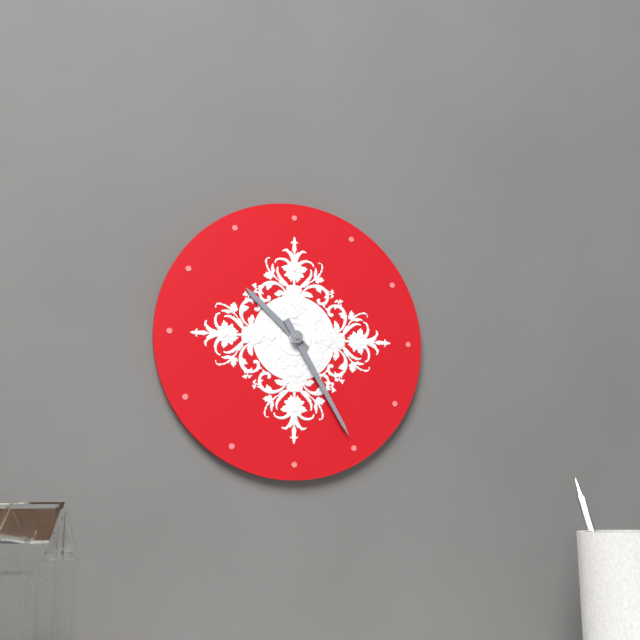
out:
{"hour": 10, "minute": 25}
